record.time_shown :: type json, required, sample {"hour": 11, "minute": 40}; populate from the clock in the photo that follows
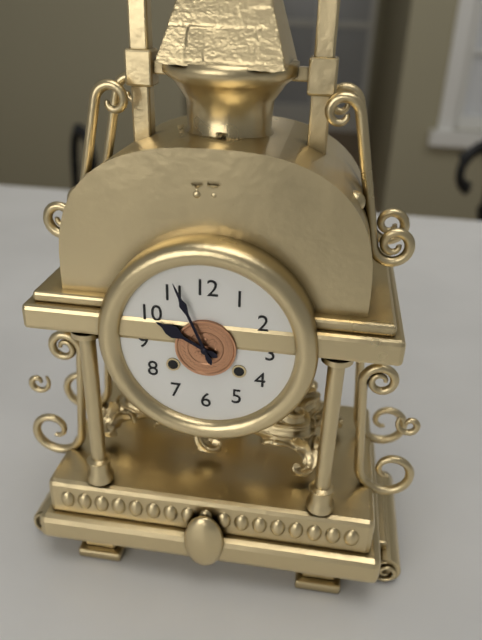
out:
{"hour": 9, "minute": 56}
